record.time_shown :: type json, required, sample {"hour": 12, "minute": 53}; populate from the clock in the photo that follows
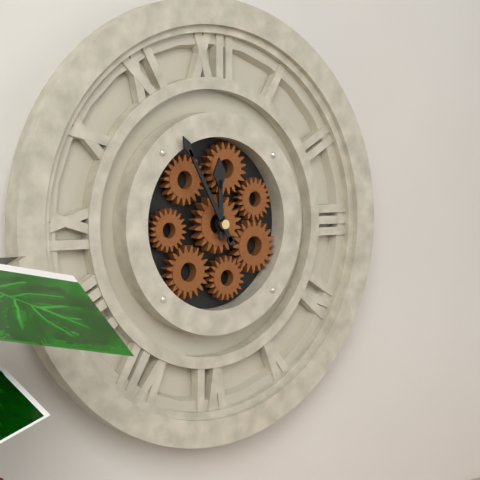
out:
{"hour": 11, "minute": 55}
